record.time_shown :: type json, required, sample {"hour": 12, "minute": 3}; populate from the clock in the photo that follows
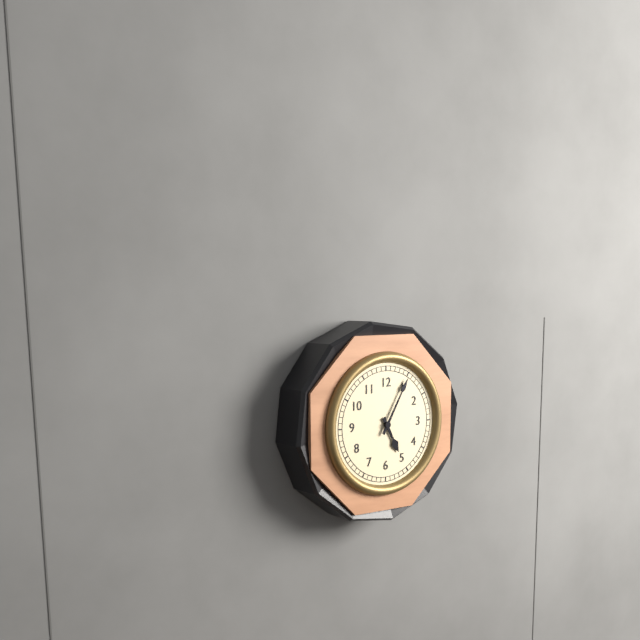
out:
{"hour": 5, "minute": 5}
